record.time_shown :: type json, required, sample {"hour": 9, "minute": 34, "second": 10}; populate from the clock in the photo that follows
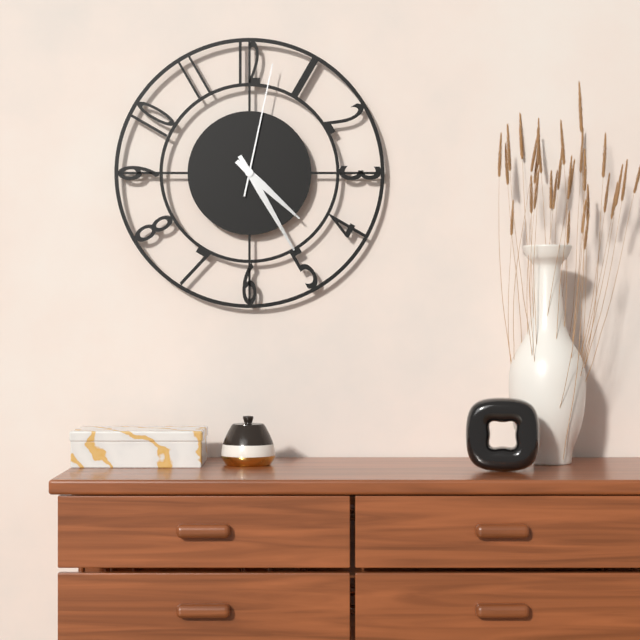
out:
{"hour": 4, "minute": 25, "second": 2}
